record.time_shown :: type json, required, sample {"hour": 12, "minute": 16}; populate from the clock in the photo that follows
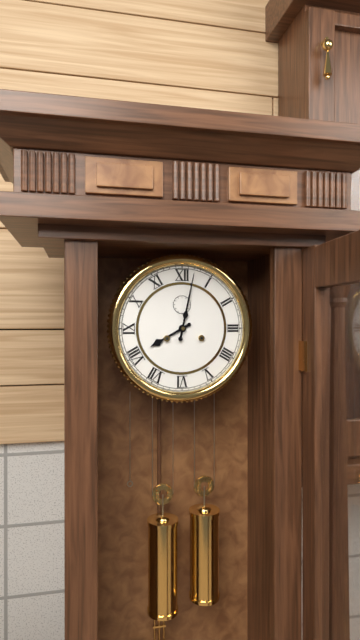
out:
{"hour": 8, "minute": 2}
